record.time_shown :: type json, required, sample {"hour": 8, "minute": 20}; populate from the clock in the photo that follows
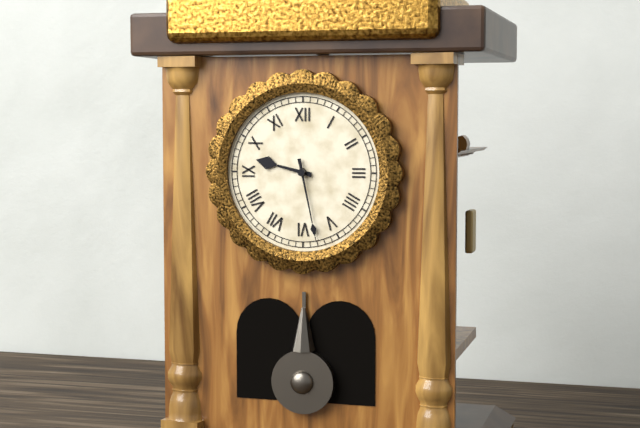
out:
{"hour": 9, "minute": 28}
